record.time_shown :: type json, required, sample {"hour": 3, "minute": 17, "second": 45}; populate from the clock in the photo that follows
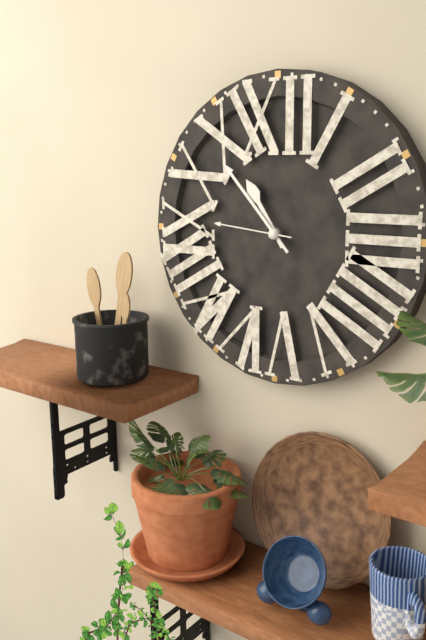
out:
{"hour": 10, "minute": 53, "second": 46}
